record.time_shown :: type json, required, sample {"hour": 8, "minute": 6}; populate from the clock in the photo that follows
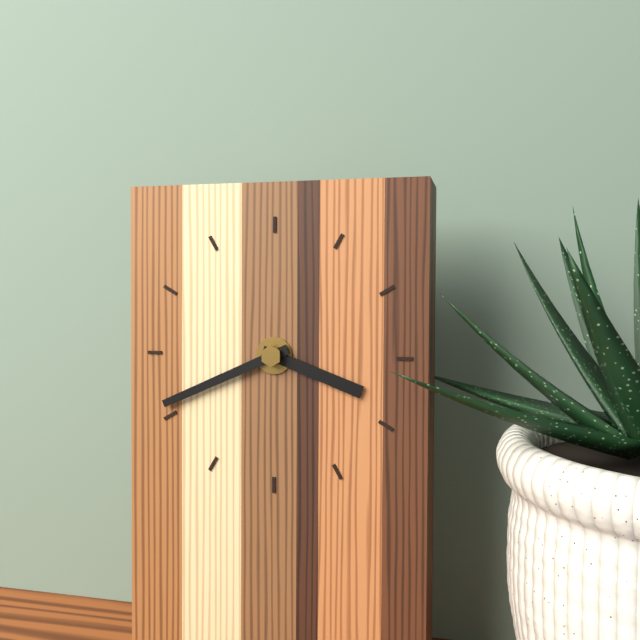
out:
{"hour": 3, "minute": 41}
